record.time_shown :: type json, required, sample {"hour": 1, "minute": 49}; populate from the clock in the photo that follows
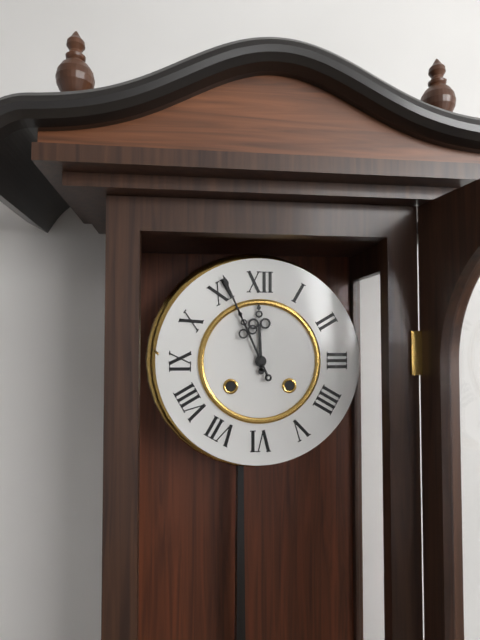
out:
{"hour": 11, "minute": 56}
